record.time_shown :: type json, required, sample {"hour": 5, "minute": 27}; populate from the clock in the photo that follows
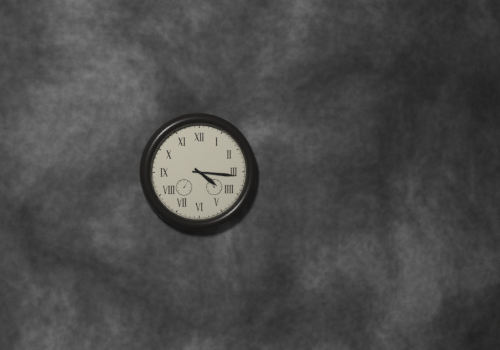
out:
{"hour": 4, "minute": 16}
